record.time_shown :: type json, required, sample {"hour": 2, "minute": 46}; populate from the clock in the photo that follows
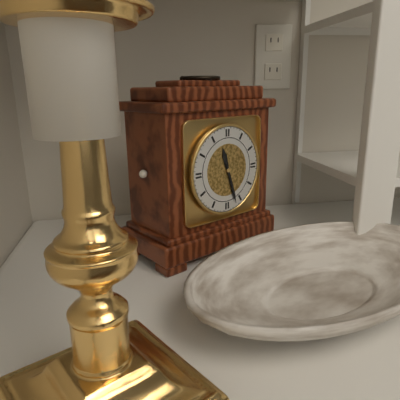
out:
{"hour": 11, "minute": 27}
